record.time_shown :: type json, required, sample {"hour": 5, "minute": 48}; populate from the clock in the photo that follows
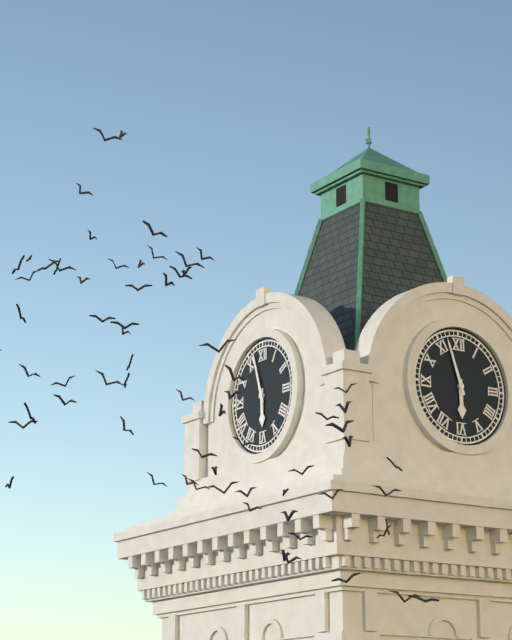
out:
{"hour": 5, "minute": 57}
